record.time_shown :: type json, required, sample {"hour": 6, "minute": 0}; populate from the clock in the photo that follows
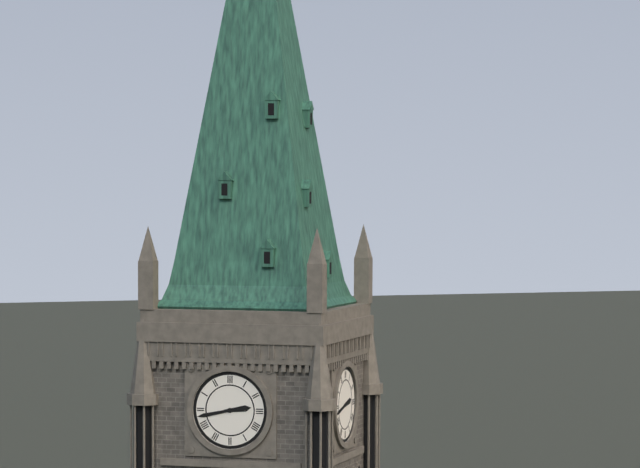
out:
{"hour": 2, "minute": 43}
